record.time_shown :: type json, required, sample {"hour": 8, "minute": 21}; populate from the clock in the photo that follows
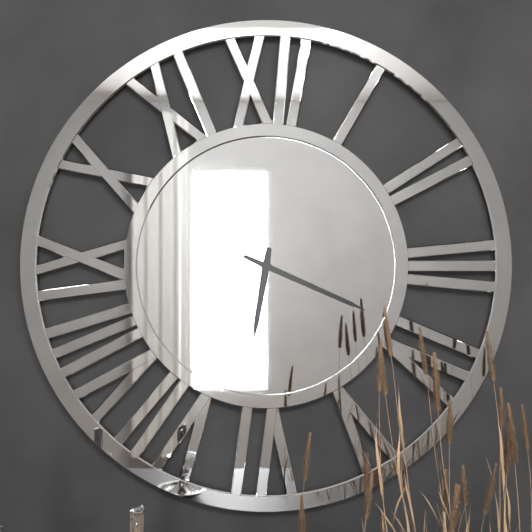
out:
{"hour": 6, "minute": 19}
